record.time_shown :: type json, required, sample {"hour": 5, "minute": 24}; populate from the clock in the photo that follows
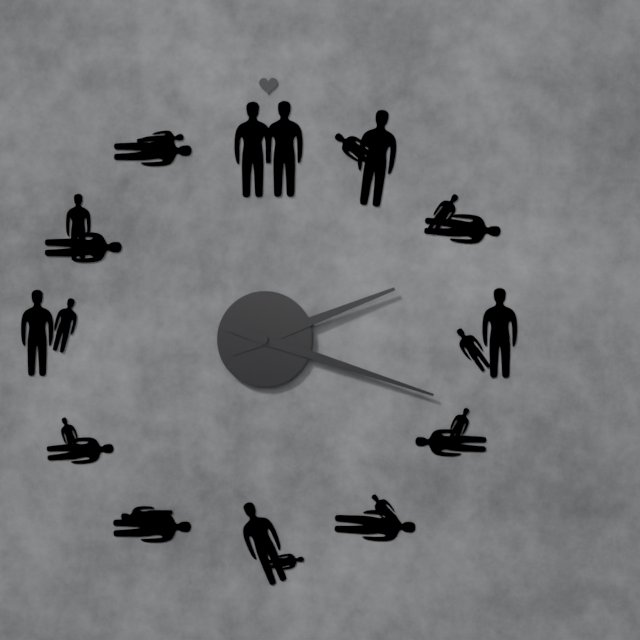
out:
{"hour": 2, "minute": 18}
